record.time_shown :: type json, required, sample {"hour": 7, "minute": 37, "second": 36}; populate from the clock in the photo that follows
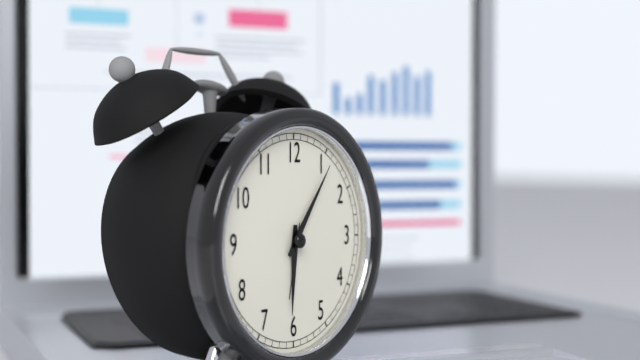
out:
{"hour": 6, "minute": 6, "second": 32}
